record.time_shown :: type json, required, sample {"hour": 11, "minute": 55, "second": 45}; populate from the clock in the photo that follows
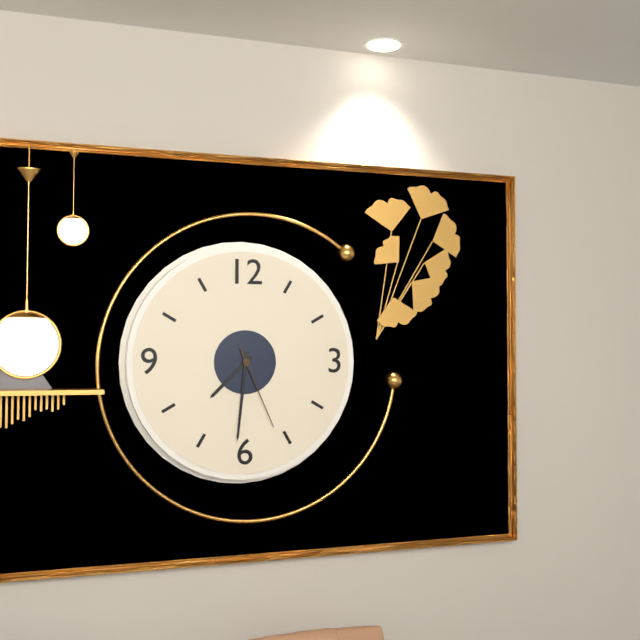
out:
{"hour": 7, "minute": 31, "second": 26}
